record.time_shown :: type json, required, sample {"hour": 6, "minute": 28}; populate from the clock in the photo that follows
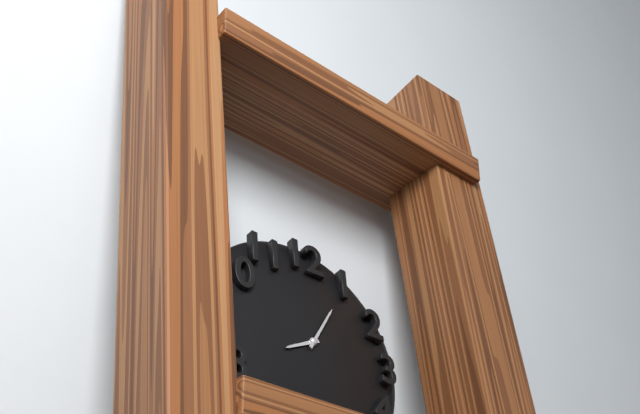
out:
{"hour": 8, "minute": 5}
